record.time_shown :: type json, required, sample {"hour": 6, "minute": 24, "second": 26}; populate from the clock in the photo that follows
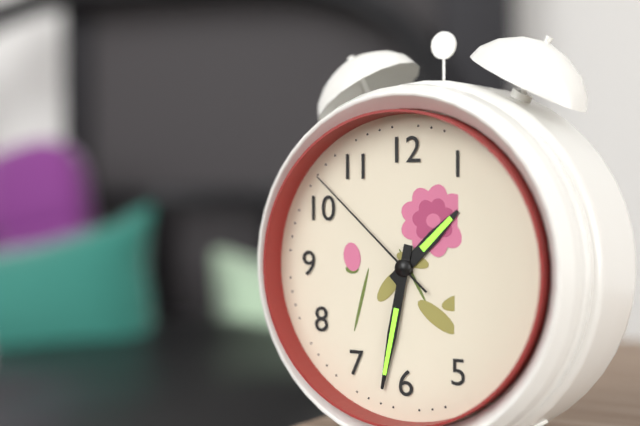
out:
{"hour": 1, "minute": 32, "second": 52}
